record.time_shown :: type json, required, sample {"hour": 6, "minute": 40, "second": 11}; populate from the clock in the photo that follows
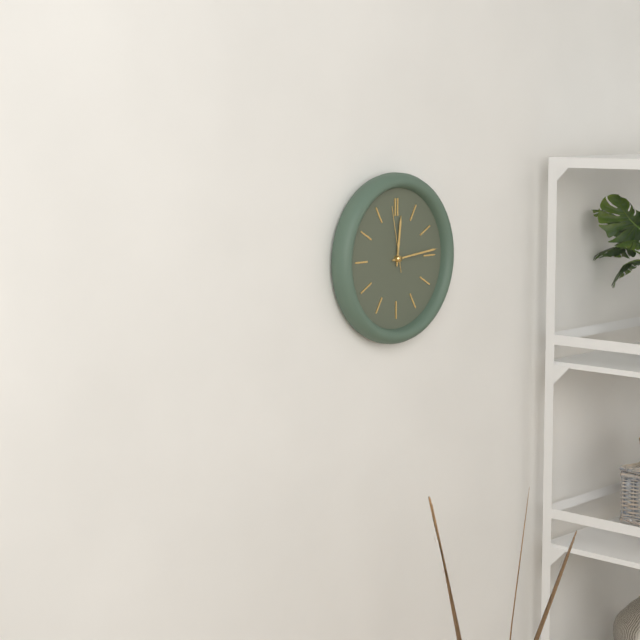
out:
{"hour": 12, "minute": 14, "second": 58}
